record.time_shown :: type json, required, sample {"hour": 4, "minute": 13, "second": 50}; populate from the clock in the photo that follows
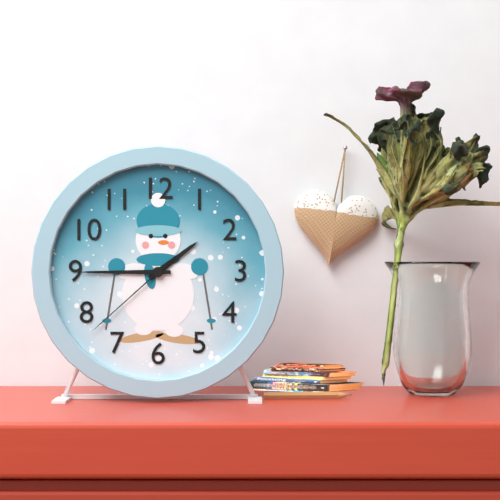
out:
{"hour": 1, "minute": 45, "second": 38}
